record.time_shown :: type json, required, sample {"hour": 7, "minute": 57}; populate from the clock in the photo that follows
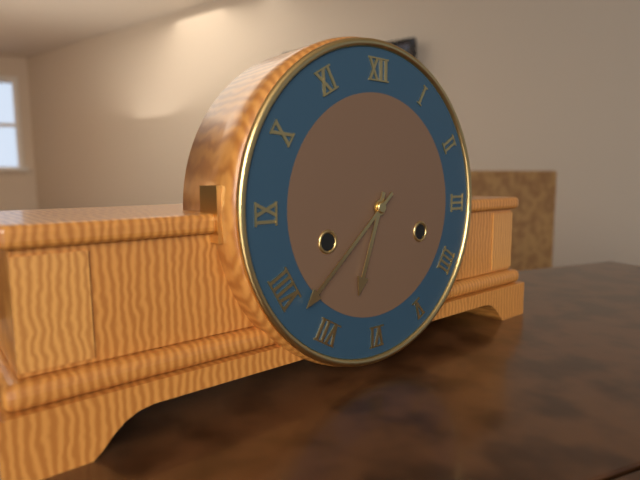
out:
{"hour": 6, "minute": 38}
